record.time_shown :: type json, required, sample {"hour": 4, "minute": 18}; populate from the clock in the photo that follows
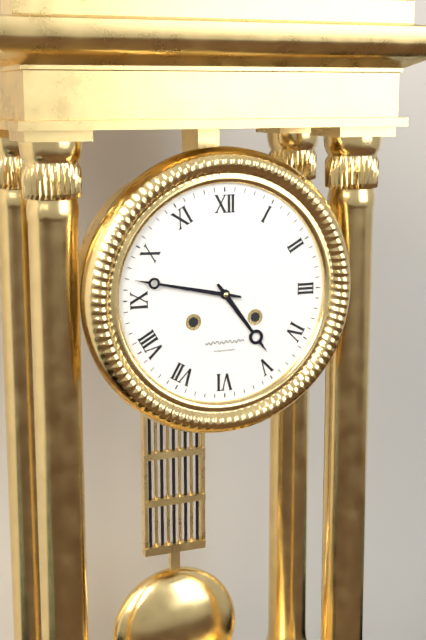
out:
{"hour": 4, "minute": 47}
